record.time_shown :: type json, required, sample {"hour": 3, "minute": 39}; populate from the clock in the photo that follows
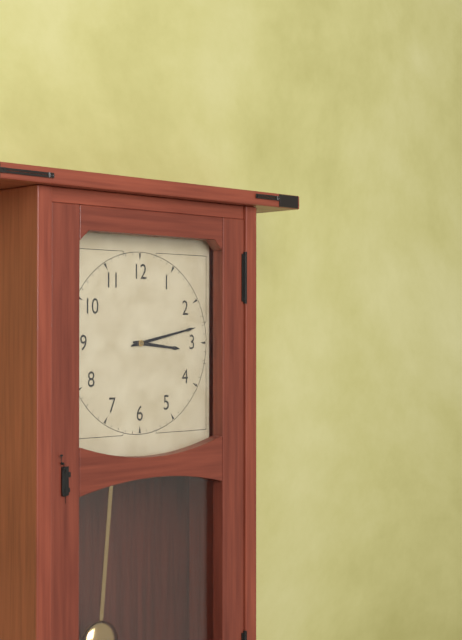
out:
{"hour": 3, "minute": 13}
